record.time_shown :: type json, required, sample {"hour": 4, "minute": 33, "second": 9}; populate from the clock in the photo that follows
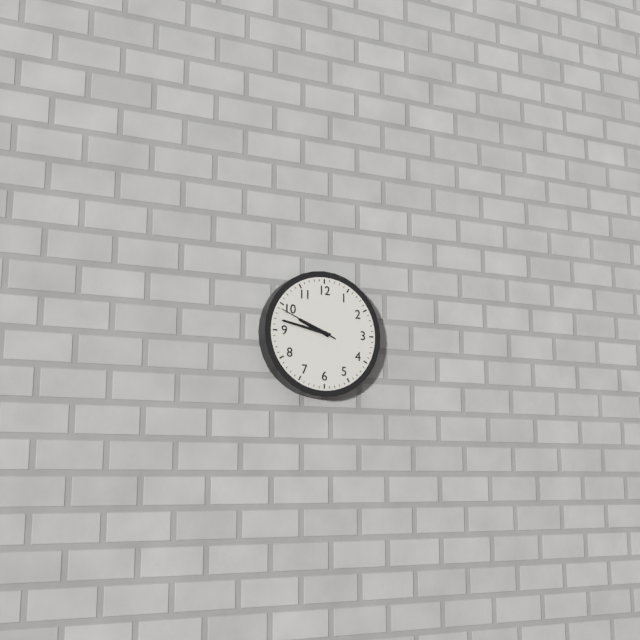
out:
{"hour": 9, "minute": 47, "second": 49}
